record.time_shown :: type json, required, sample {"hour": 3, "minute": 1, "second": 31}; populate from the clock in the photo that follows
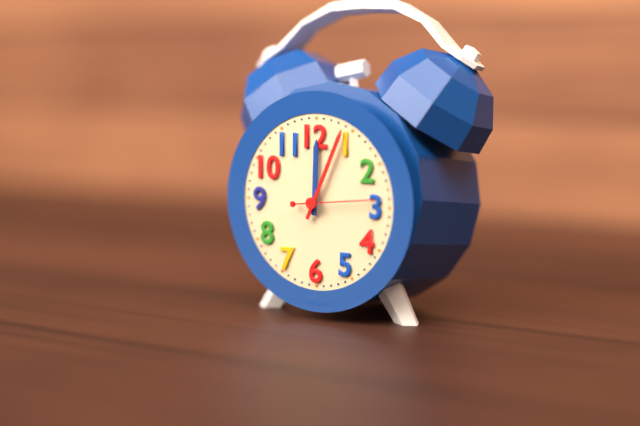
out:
{"hour": 12, "minute": 4, "second": 14}
